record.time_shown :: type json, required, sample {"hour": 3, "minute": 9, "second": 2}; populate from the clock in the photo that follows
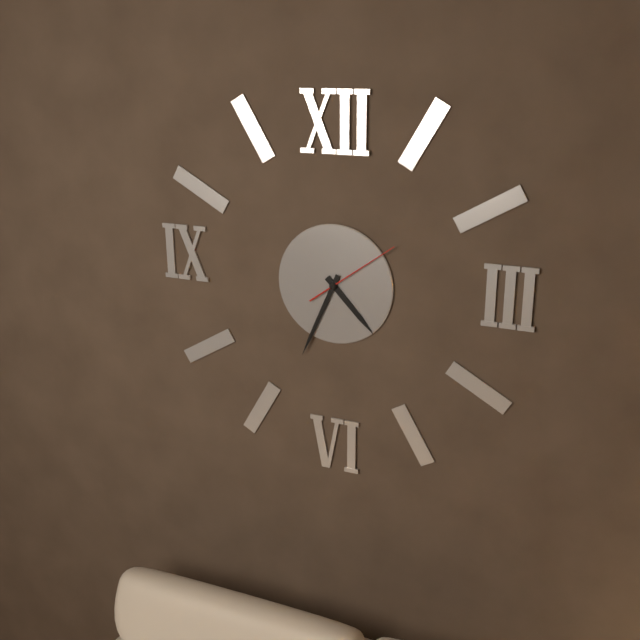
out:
{"hour": 4, "minute": 34, "second": 9}
